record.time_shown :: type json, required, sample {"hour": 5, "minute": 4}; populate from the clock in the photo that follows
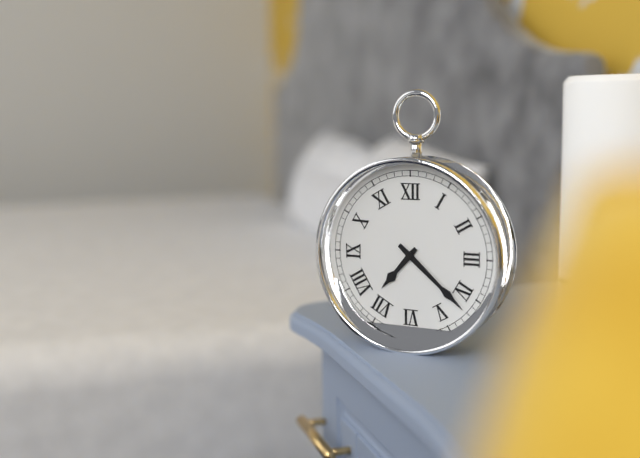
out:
{"hour": 7, "minute": 22}
